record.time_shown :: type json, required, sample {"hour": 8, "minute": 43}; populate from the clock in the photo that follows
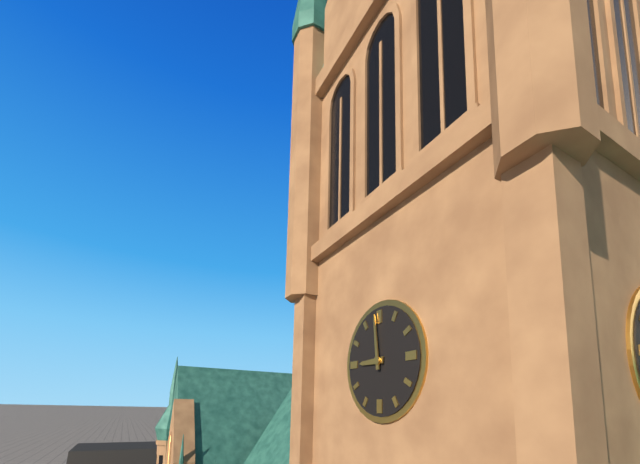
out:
{"hour": 8, "minute": 59}
